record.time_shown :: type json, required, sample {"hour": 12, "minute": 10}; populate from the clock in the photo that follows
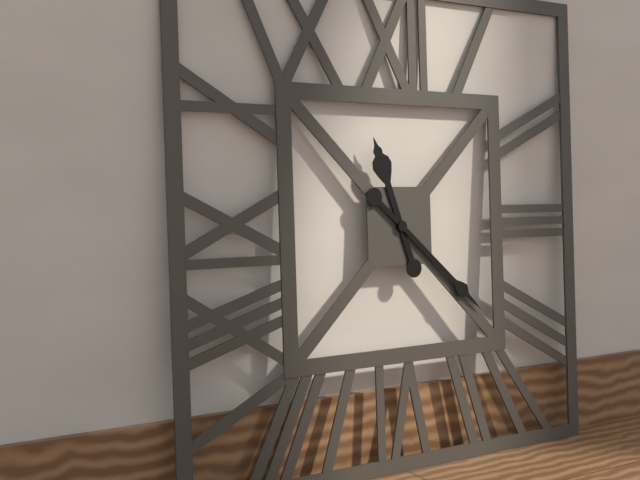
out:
{"hour": 11, "minute": 22}
